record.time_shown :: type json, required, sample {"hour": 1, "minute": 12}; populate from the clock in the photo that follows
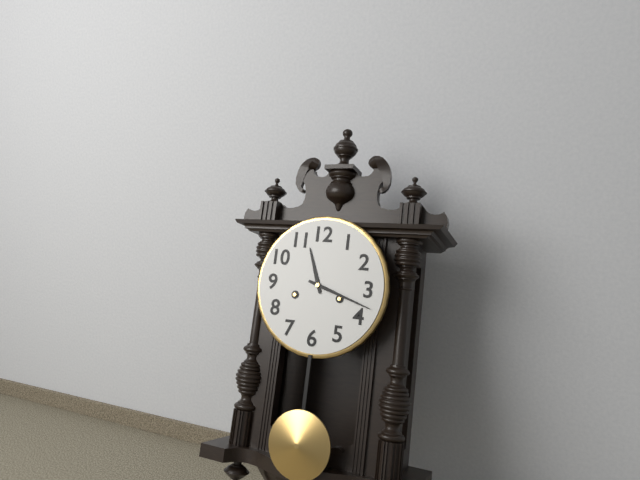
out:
{"hour": 11, "minute": 18}
